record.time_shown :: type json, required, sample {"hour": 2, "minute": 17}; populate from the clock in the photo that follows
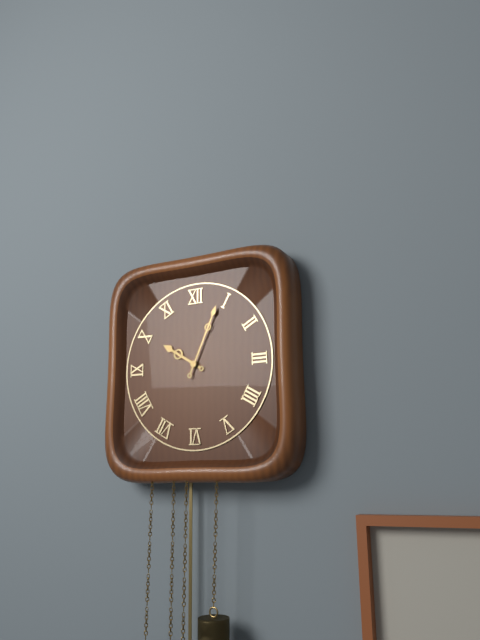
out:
{"hour": 10, "minute": 4}
